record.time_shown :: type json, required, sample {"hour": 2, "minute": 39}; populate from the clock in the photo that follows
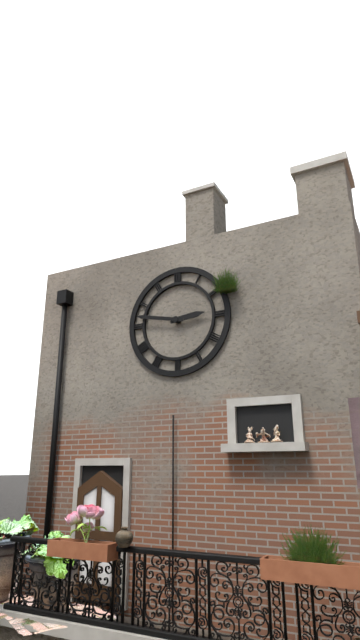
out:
{"hour": 2, "minute": 47}
